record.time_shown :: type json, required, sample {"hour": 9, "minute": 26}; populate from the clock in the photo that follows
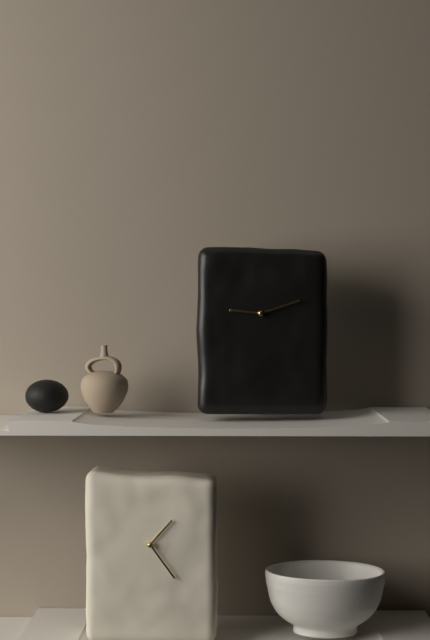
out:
{"hour": 9, "minute": 12}
